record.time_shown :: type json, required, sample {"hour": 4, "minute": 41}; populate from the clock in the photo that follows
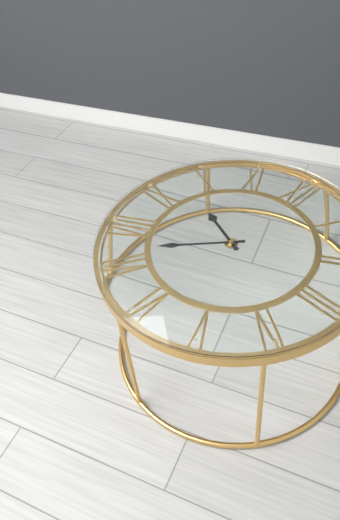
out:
{"hour": 9, "minute": 37}
